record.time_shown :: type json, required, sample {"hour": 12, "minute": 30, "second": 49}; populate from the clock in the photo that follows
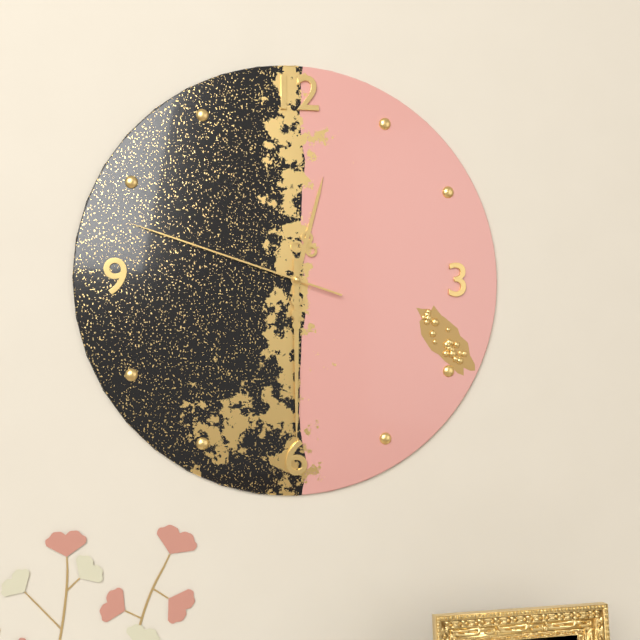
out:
{"hour": 12, "minute": 30, "second": 48}
